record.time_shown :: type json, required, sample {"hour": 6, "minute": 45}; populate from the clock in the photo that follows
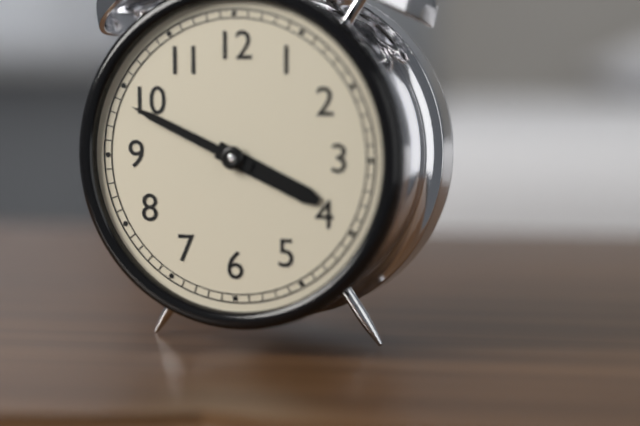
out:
{"hour": 3, "minute": 49}
